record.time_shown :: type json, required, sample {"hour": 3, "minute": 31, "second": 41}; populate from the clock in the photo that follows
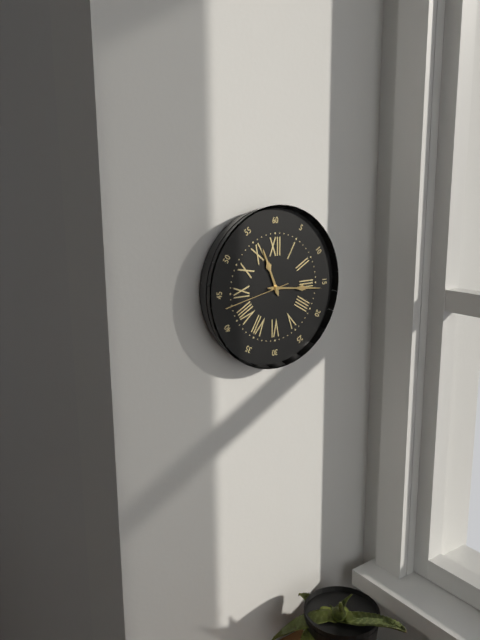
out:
{"hour": 11, "minute": 16, "second": 43}
